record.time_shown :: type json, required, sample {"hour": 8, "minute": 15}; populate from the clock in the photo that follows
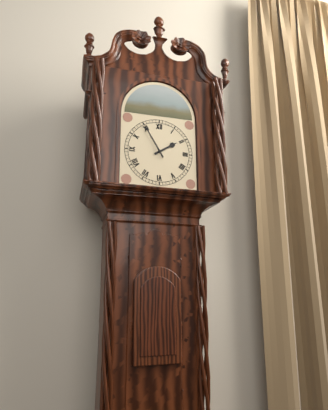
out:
{"hour": 1, "minute": 55}
